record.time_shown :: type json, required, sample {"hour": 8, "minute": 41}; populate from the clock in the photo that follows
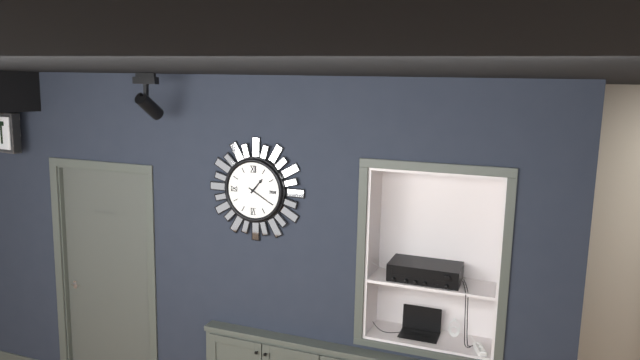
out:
{"hour": 1, "minute": 20}
